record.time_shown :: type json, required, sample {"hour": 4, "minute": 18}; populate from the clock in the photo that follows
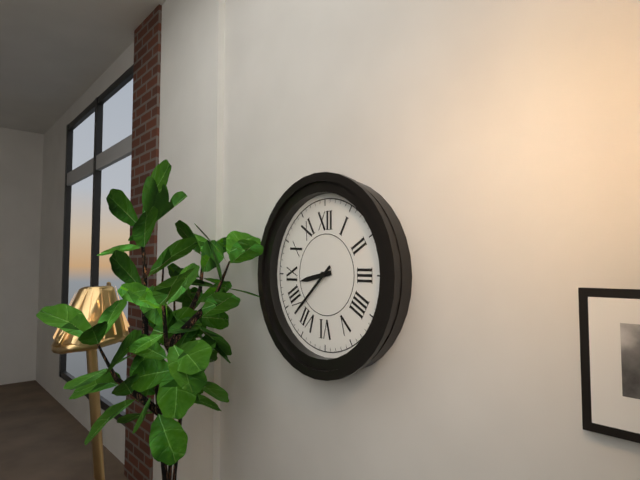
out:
{"hour": 8, "minute": 38}
